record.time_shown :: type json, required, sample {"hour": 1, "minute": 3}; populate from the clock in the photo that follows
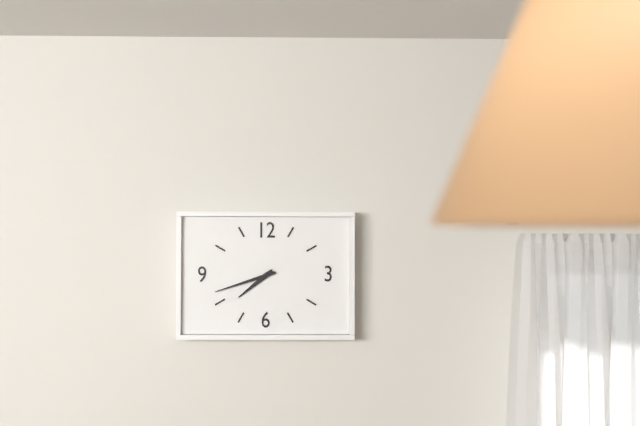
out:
{"hour": 7, "minute": 42}
